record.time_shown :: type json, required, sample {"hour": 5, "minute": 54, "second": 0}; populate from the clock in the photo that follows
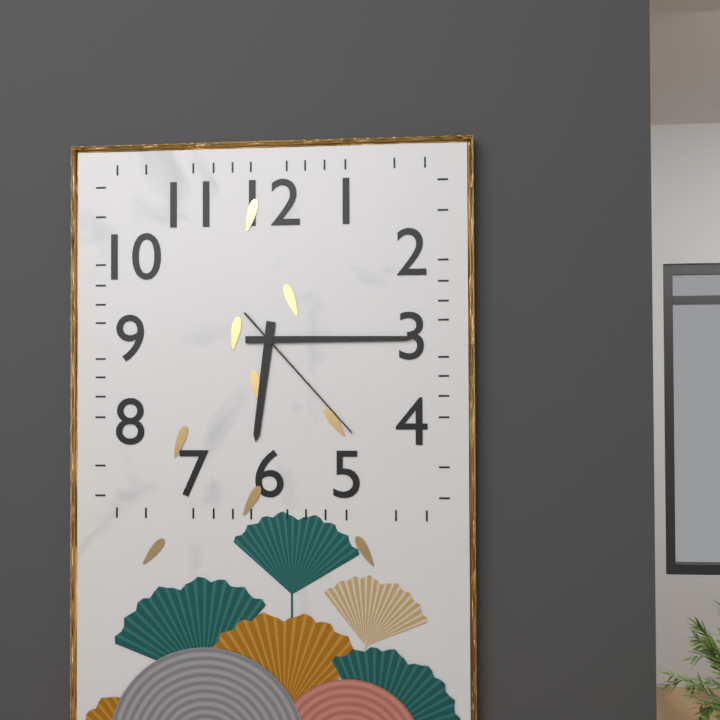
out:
{"hour": 6, "minute": 15, "second": 23}
